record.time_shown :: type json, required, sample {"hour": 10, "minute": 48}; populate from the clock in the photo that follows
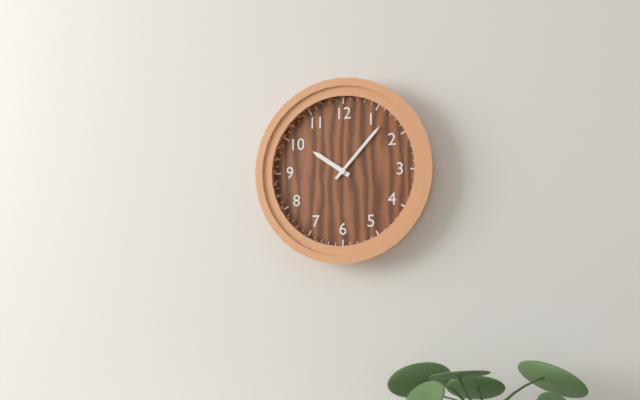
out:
{"hour": 10, "minute": 7}
